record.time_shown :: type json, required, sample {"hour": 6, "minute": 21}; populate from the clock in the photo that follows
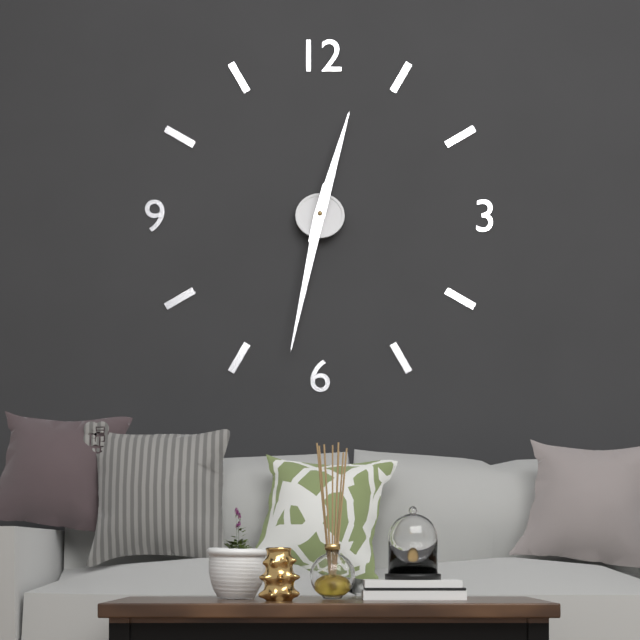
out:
{"hour": 12, "minute": 32}
